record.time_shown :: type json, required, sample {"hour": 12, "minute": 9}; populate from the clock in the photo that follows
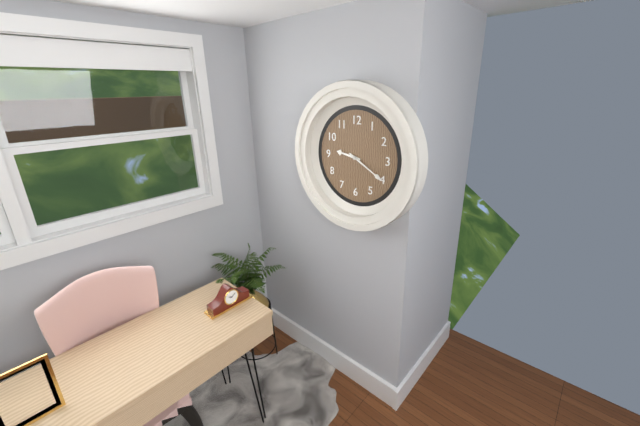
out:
{"hour": 9, "minute": 20}
